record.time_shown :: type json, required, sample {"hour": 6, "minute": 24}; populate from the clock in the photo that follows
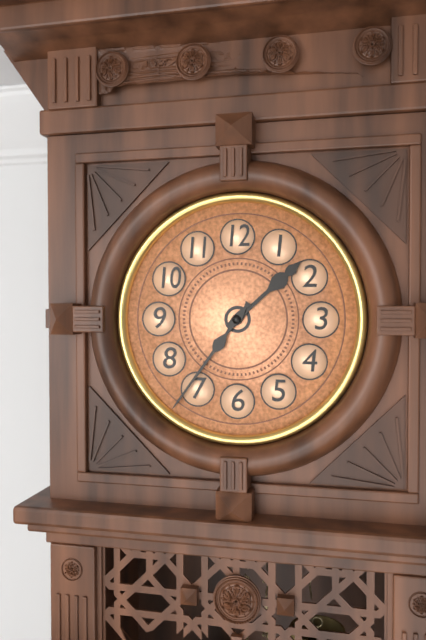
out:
{"hour": 1, "minute": 36}
